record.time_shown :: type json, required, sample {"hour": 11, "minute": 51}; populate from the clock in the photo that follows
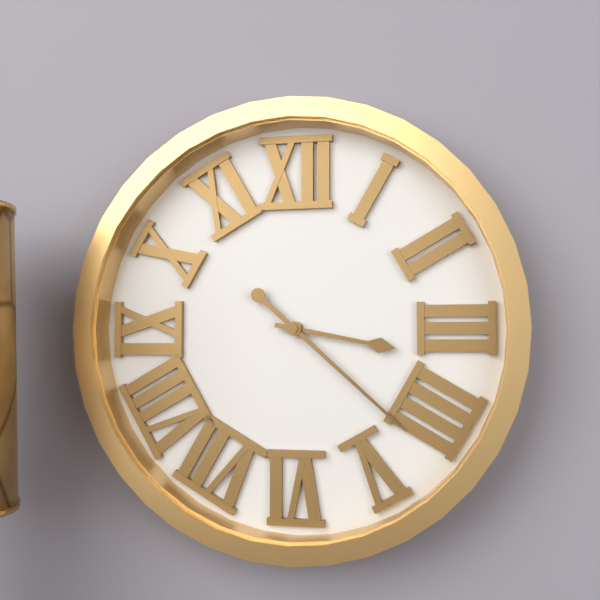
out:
{"hour": 3, "minute": 22}
